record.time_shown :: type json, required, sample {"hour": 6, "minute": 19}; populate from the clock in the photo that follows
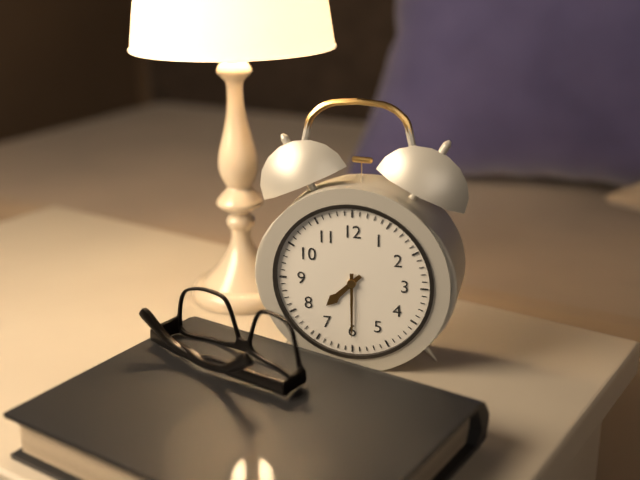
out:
{"hour": 7, "minute": 30}
